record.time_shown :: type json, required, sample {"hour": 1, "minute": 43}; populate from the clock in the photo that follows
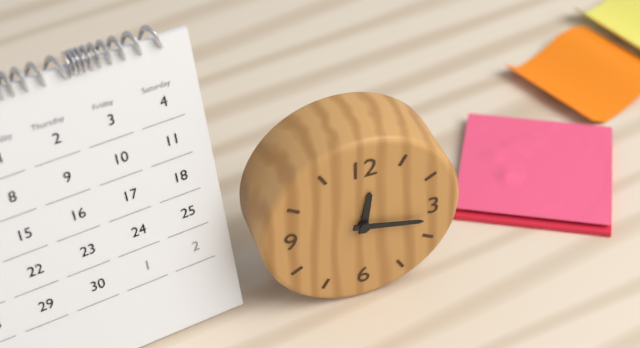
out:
{"hour": 12, "minute": 17}
